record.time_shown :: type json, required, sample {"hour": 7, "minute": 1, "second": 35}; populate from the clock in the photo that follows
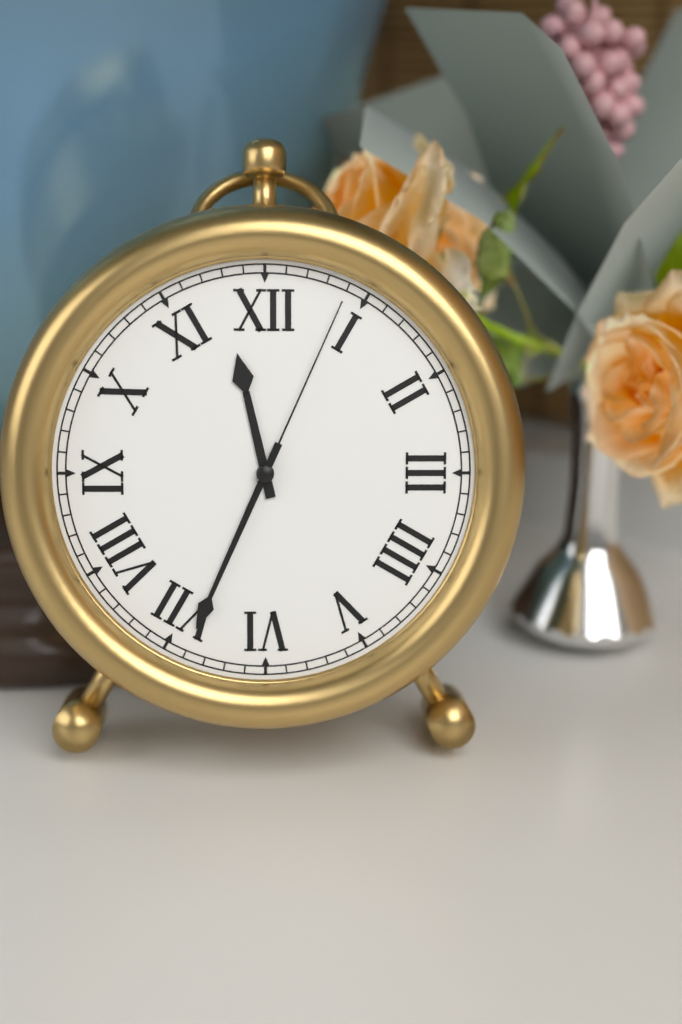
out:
{"hour": 11, "minute": 34, "second": 4}
